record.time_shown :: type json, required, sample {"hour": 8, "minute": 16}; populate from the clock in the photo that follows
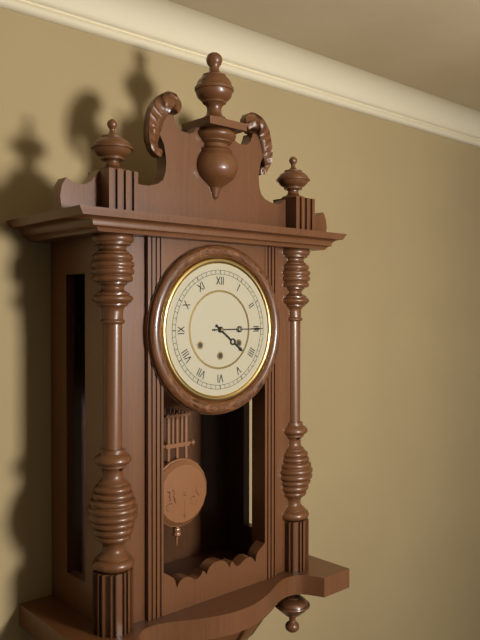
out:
{"hour": 4, "minute": 15}
